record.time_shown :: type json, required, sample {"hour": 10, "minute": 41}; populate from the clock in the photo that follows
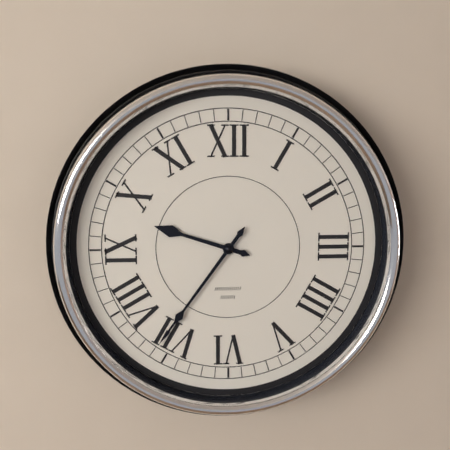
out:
{"hour": 9, "minute": 36}
